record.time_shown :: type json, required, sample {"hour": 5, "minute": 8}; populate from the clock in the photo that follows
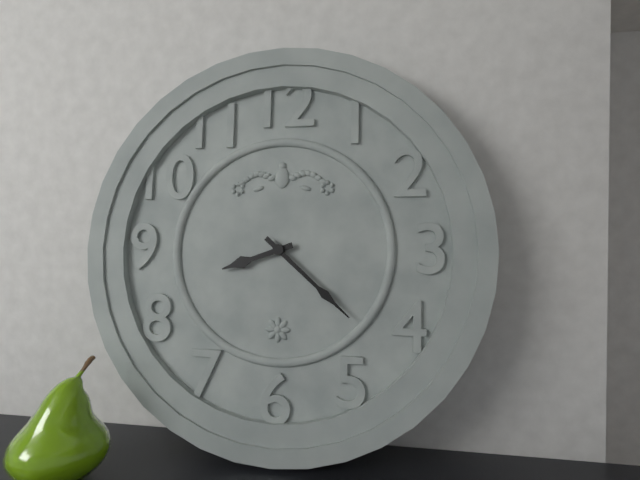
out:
{"hour": 8, "minute": 22}
